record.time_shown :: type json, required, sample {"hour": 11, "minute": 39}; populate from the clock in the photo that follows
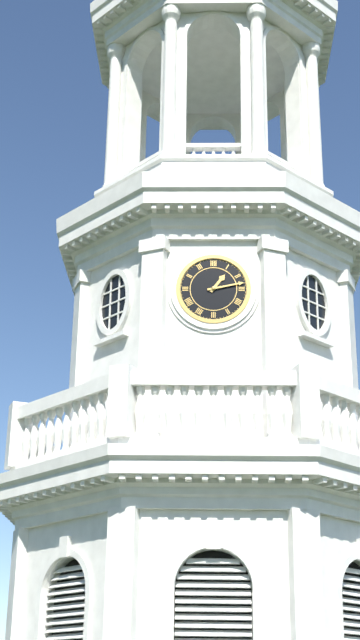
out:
{"hour": 1, "minute": 13}
